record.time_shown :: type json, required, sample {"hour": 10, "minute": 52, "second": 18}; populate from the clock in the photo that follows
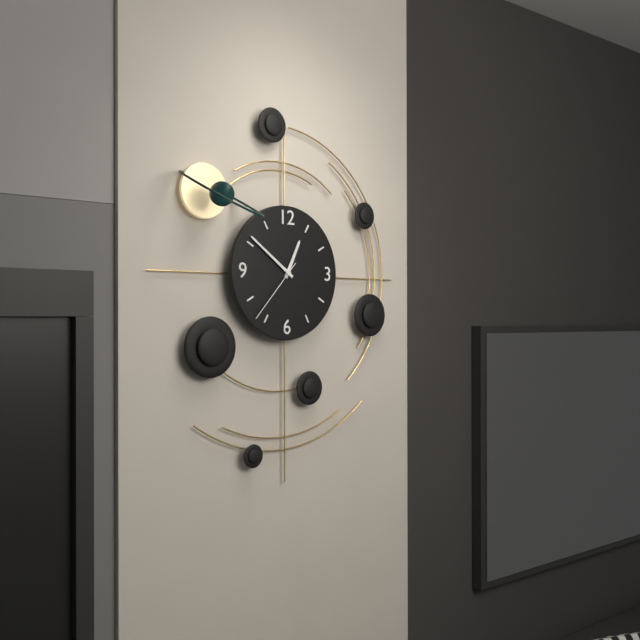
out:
{"hour": 12, "minute": 51, "second": 37}
